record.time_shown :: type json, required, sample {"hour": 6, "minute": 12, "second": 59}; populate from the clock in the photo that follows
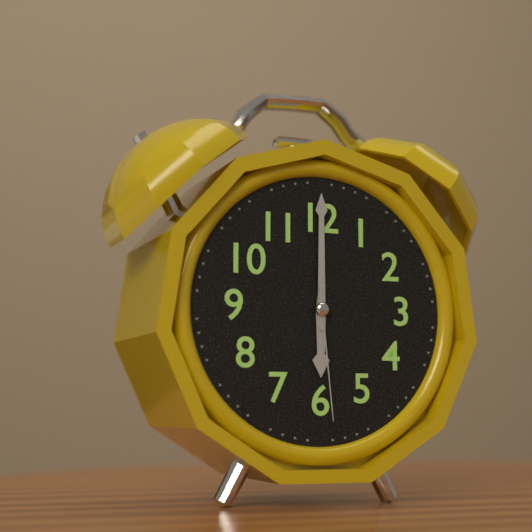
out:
{"hour": 6, "minute": 0, "second": 29}
